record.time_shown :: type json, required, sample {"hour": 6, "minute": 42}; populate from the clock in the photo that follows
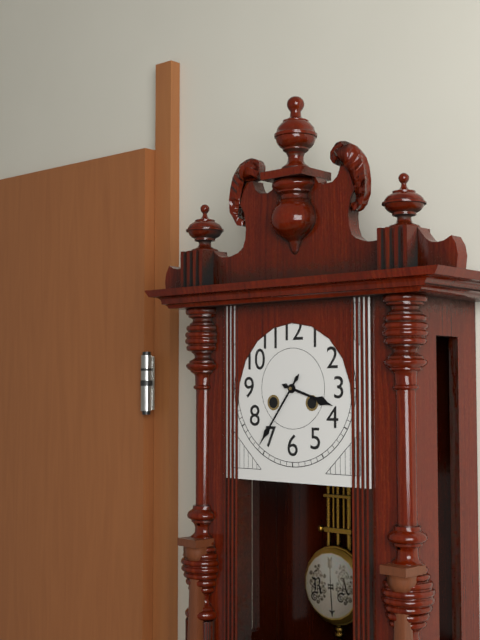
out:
{"hour": 3, "minute": 36}
